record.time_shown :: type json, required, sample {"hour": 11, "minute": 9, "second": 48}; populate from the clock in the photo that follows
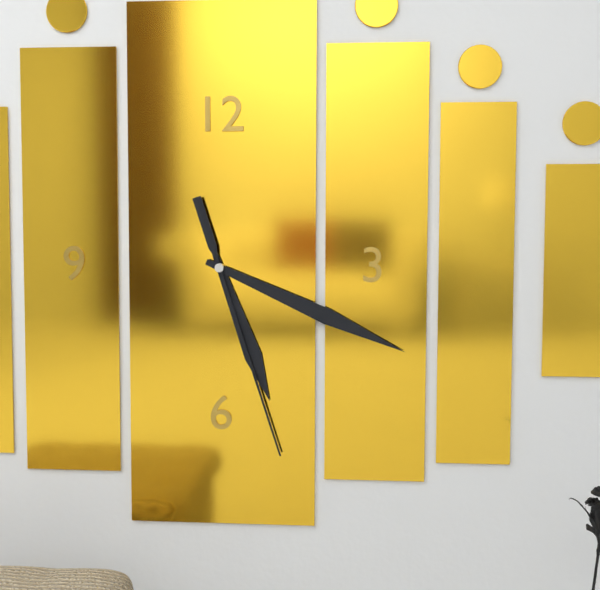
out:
{"hour": 5, "minute": 19, "second": 27}
